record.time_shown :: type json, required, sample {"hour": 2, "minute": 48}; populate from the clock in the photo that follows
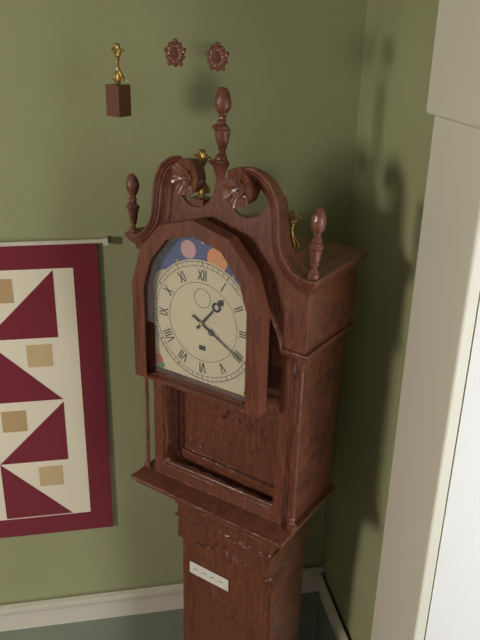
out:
{"hour": 1, "minute": 20}
